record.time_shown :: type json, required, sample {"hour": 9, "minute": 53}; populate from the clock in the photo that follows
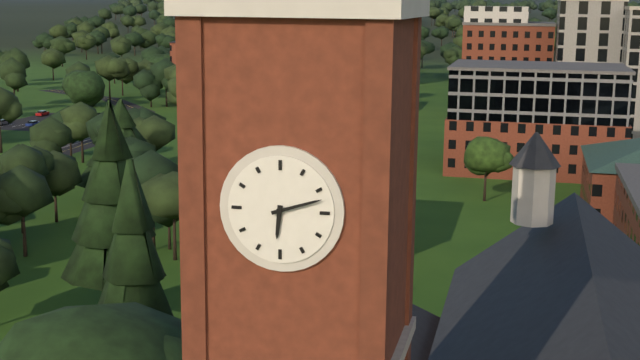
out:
{"hour": 6, "minute": 12}
